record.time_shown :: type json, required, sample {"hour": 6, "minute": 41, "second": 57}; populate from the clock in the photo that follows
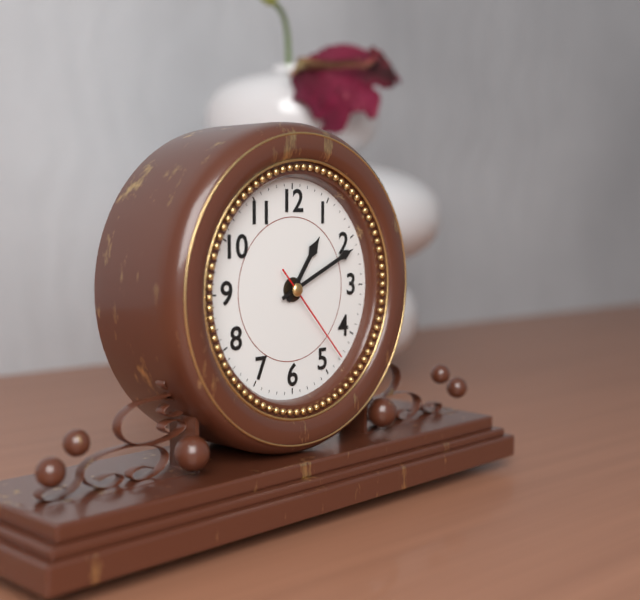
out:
{"hour": 1, "minute": 11, "second": 23}
